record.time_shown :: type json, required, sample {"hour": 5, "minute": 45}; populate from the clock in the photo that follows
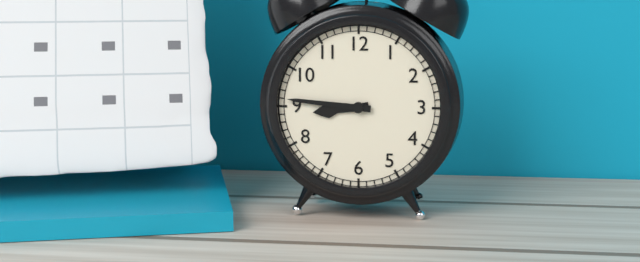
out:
{"hour": 8, "minute": 46}
